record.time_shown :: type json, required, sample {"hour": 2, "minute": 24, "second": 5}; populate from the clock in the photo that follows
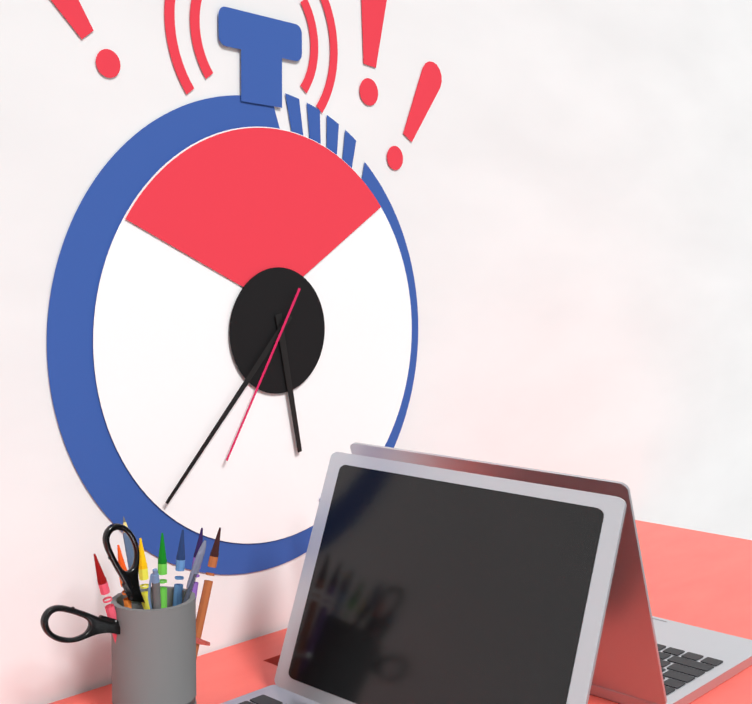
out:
{"hour": 5, "minute": 37, "second": 35}
